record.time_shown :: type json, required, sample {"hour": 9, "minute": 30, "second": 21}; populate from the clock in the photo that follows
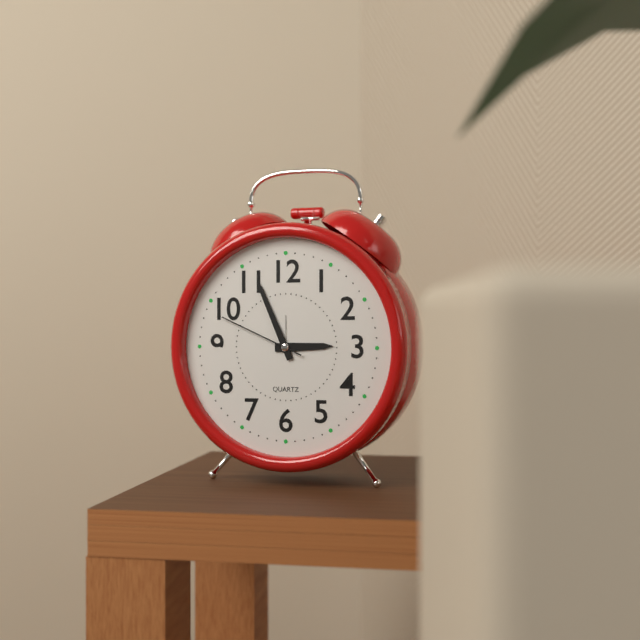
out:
{"hour": 2, "minute": 56, "second": 49}
